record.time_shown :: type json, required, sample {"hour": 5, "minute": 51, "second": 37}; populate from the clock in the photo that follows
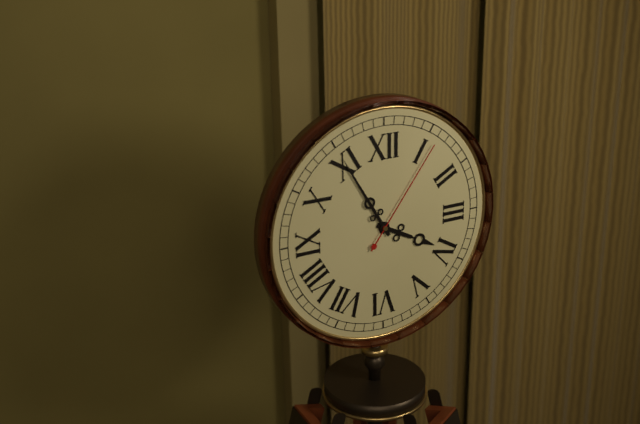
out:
{"hour": 3, "minute": 55, "second": 6}
